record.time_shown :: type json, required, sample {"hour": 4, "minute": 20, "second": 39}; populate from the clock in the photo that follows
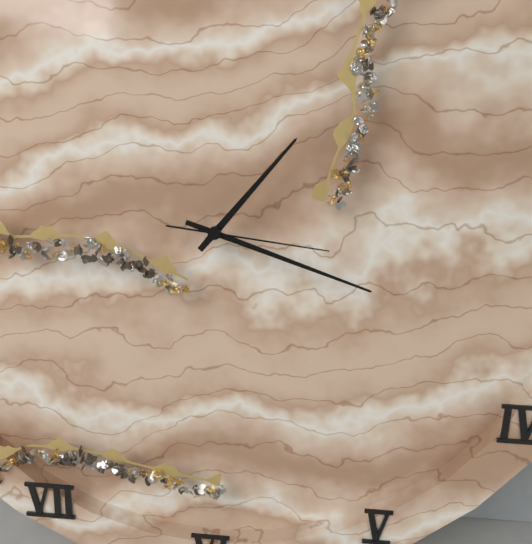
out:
{"hour": 1, "minute": 18, "second": 16}
